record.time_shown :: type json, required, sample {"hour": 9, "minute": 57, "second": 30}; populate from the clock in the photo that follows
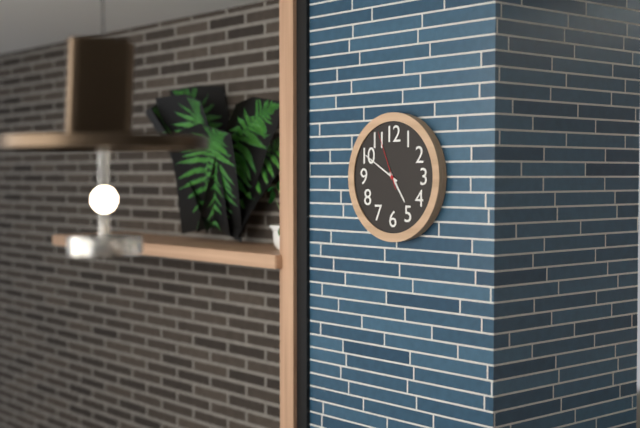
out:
{"hour": 4, "minute": 50, "second": 56}
